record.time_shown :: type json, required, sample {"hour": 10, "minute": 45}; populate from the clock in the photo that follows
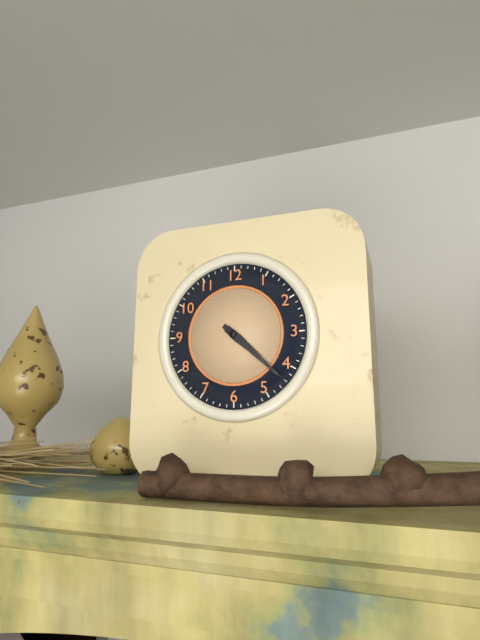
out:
{"hour": 4, "minute": 22}
